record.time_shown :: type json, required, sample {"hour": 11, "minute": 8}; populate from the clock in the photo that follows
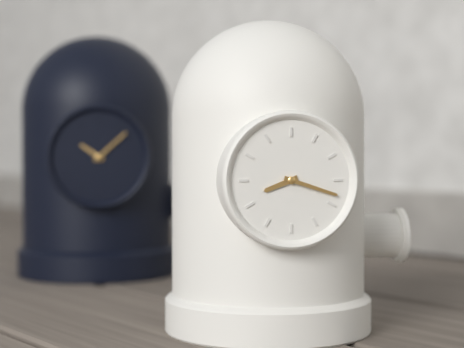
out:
{"hour": 8, "minute": 18}
